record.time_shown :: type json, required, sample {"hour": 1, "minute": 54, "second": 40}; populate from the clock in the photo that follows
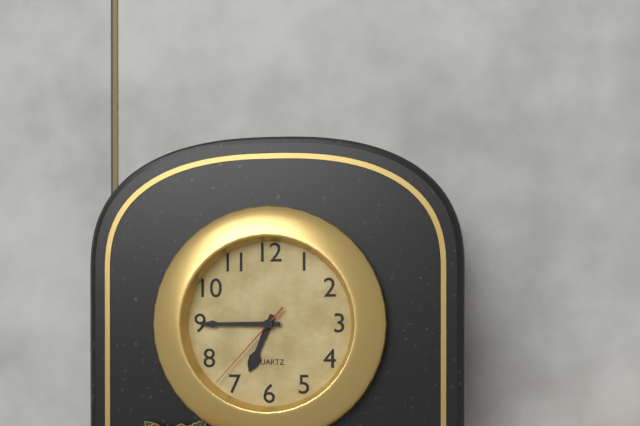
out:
{"hour": 6, "minute": 45, "second": 37}
